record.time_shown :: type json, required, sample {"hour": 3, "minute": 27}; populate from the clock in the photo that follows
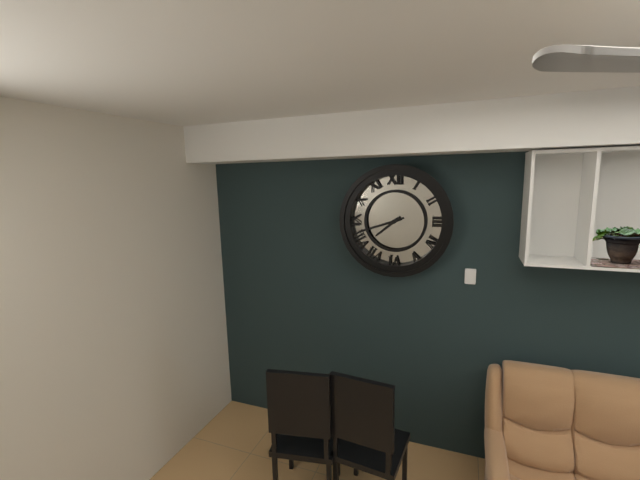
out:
{"hour": 7, "minute": 42}
